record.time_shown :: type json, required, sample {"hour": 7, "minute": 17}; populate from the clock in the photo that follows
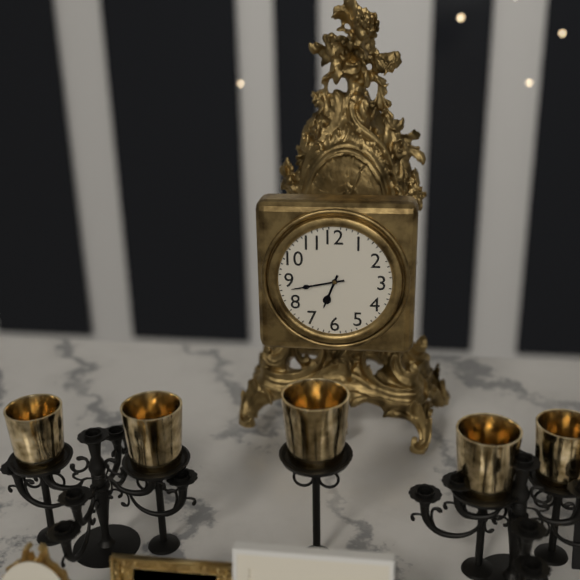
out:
{"hour": 6, "minute": 43}
